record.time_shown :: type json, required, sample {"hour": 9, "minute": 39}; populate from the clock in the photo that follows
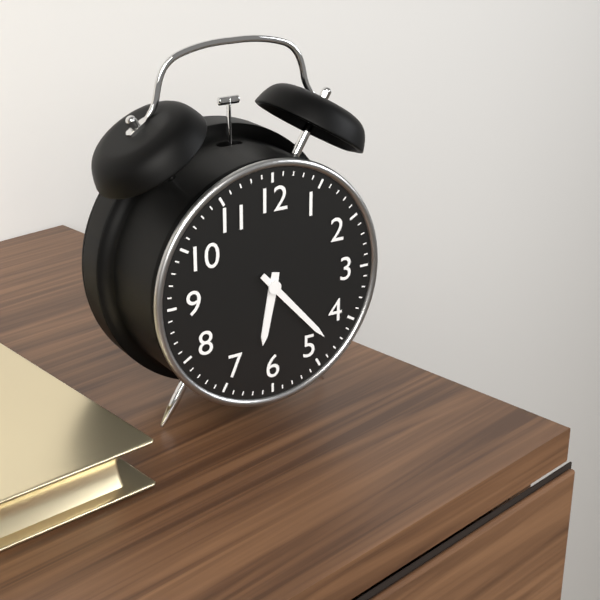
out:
{"hour": 6, "minute": 23}
